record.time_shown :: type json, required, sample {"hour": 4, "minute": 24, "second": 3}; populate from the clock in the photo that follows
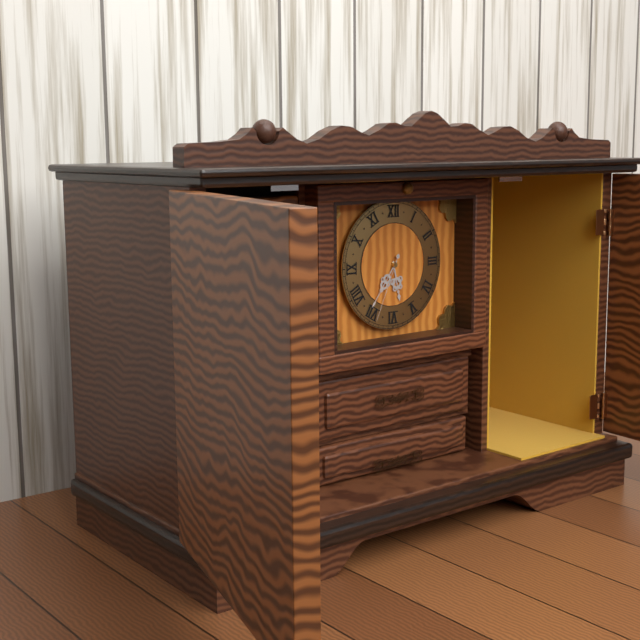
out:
{"hour": 5, "minute": 36, "second": 34}
